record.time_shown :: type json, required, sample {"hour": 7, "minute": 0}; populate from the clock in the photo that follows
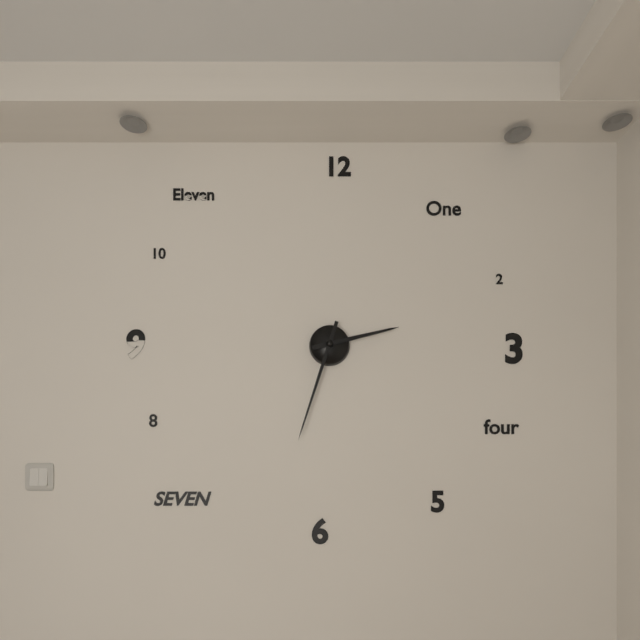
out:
{"hour": 2, "minute": 33}
